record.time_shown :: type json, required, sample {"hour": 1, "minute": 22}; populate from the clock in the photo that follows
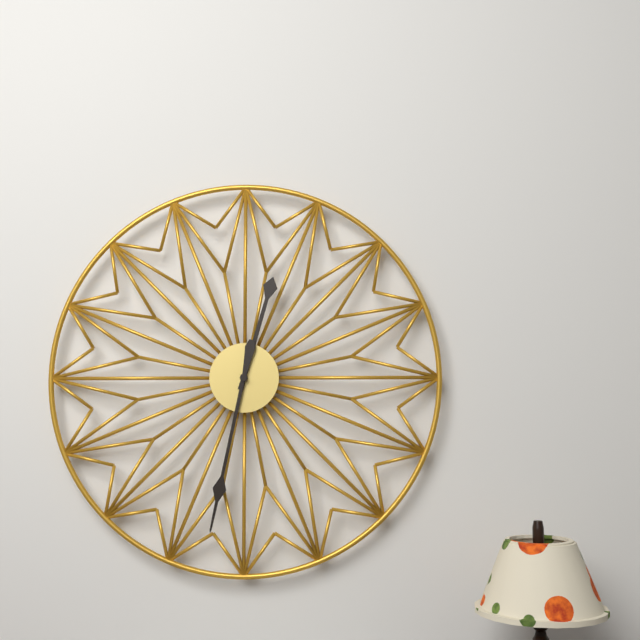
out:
{"hour": 12, "minute": 32}
